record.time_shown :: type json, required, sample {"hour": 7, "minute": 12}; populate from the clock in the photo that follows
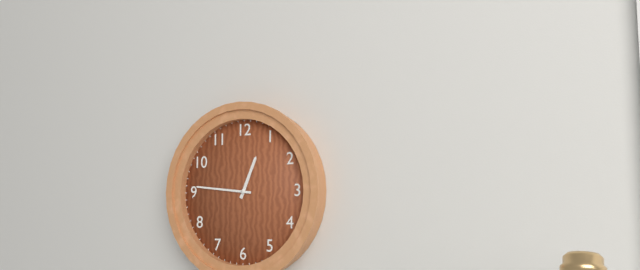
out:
{"hour": 12, "minute": 46}
